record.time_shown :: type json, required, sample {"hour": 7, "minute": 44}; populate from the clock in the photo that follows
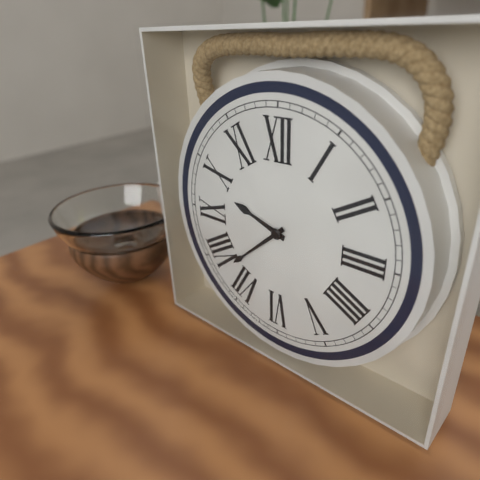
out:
{"hour": 9, "minute": 38}
